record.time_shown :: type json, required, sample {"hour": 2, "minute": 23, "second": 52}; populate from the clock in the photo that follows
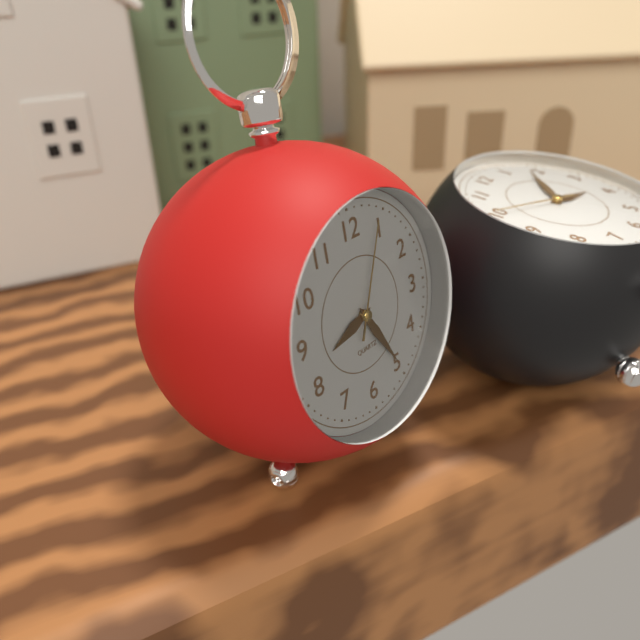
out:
{"hour": 8, "minute": 25, "second": 4}
